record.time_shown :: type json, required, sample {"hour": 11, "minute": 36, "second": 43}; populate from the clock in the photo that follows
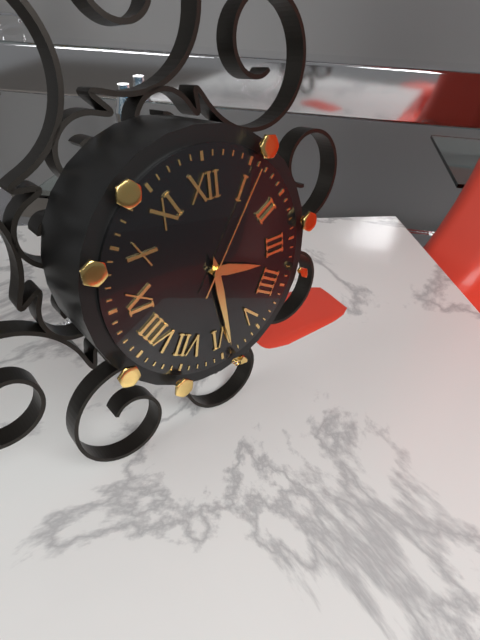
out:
{"hour": 3, "minute": 29, "second": 6}
